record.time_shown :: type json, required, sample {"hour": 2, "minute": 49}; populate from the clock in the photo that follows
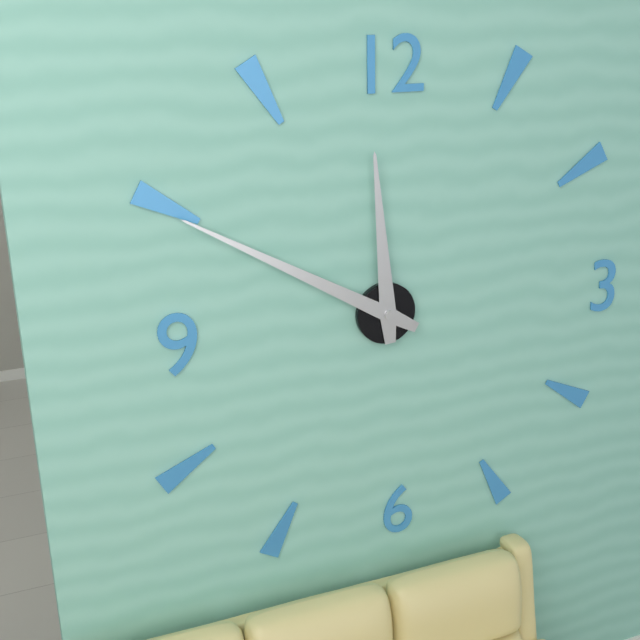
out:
{"hour": 11, "minute": 50}
